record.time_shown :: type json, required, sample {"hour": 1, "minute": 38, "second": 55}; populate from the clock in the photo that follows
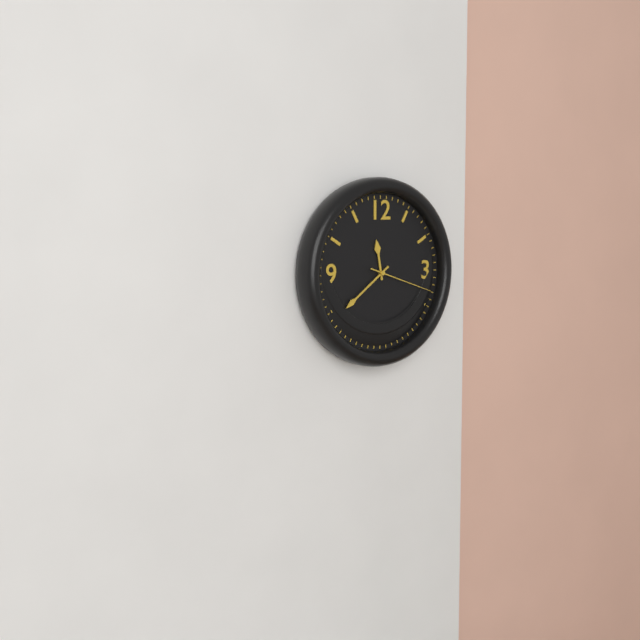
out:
{"hour": 11, "minute": 39, "second": 18}
